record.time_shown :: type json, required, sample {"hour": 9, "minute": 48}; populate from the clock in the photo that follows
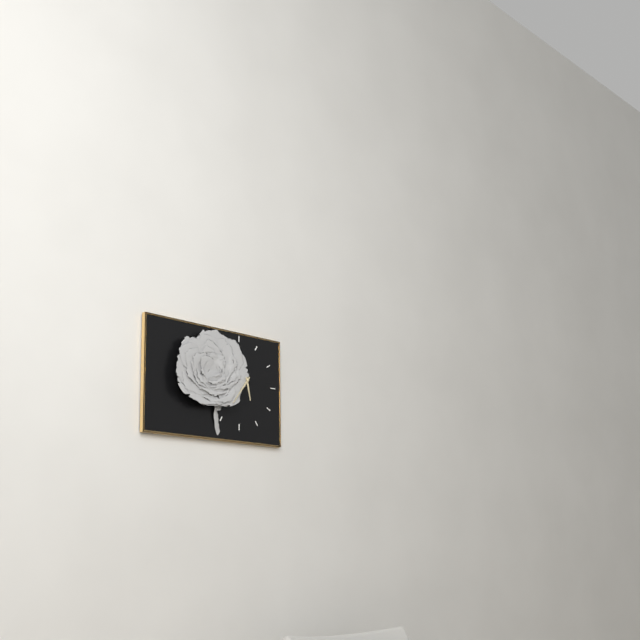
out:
{"hour": 5, "minute": 36}
